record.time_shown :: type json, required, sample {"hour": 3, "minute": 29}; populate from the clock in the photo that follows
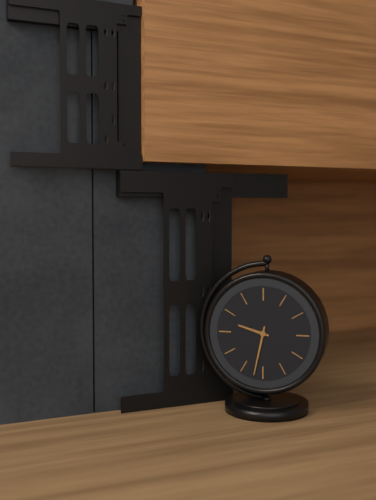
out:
{"hour": 9, "minute": 32}
